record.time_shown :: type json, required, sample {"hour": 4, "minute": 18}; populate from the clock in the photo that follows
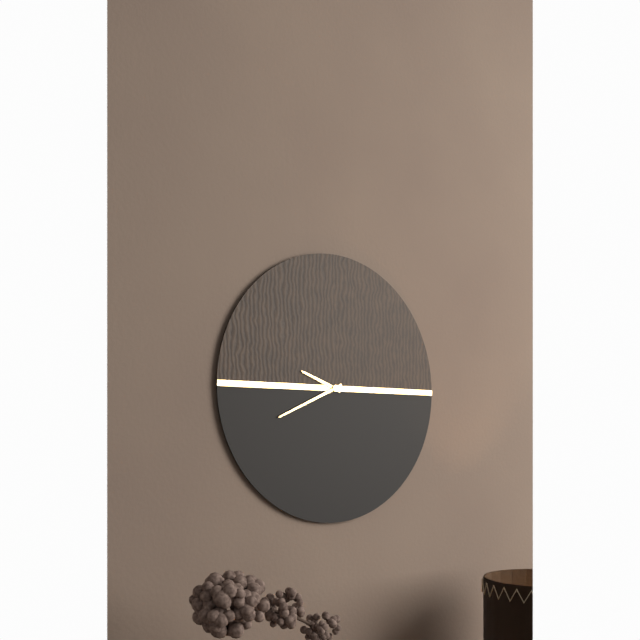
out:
{"hour": 9, "minute": 41}
